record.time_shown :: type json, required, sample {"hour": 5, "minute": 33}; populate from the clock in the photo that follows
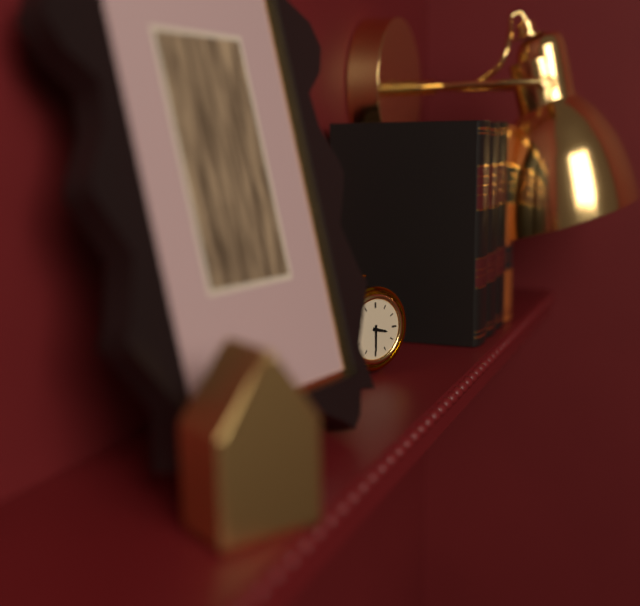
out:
{"hour": 3, "minute": 30}
